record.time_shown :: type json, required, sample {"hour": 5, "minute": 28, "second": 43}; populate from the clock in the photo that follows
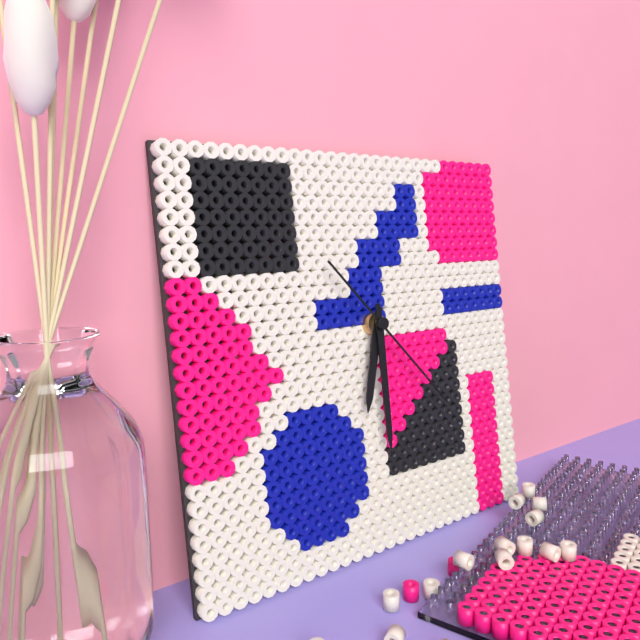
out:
{"hour": 6, "minute": 30, "second": 23}
